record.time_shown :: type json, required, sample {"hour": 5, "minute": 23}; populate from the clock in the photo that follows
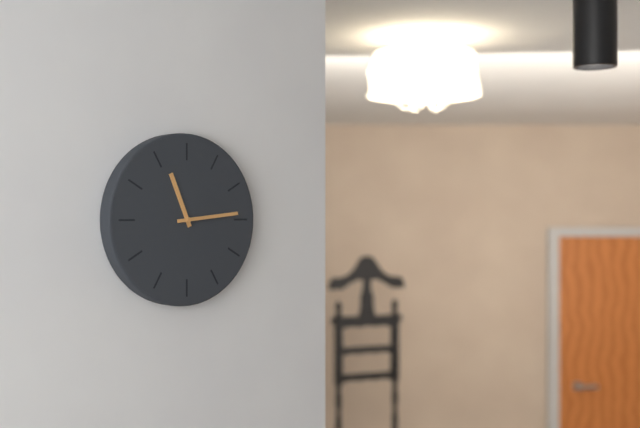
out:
{"hour": 11, "minute": 14}
